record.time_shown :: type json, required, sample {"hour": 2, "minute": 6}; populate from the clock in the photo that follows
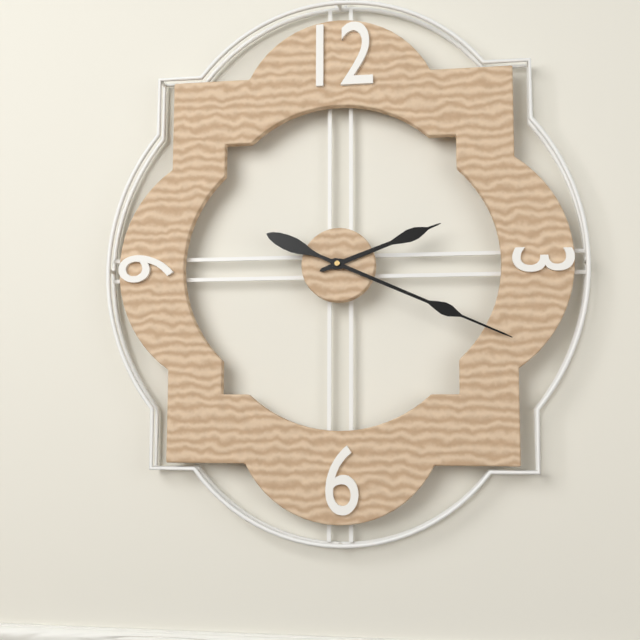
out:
{"hour": 2, "minute": 19}
